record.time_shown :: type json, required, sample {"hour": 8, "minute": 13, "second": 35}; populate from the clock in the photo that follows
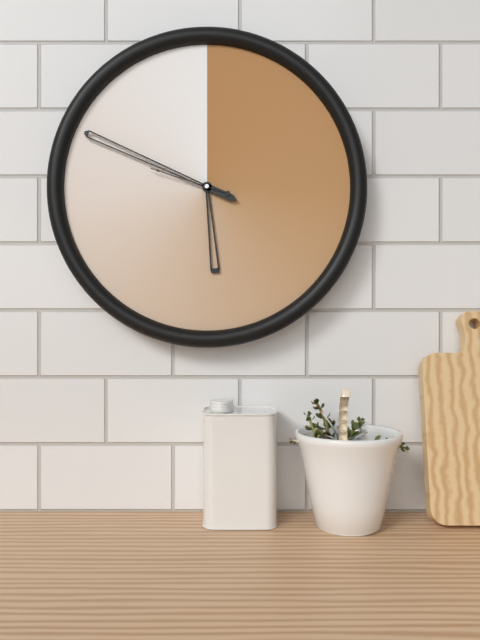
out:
{"hour": 5, "minute": 49, "second": 48}
